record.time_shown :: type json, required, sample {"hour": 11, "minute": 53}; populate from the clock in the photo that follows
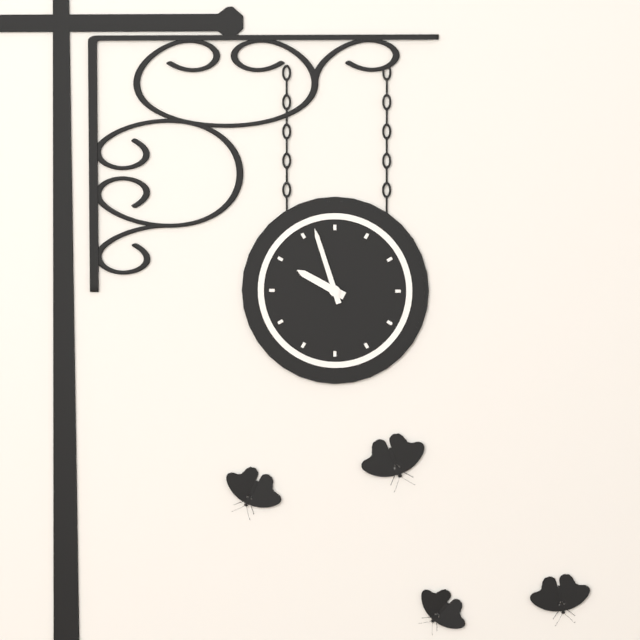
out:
{"hour": 9, "minute": 57}
